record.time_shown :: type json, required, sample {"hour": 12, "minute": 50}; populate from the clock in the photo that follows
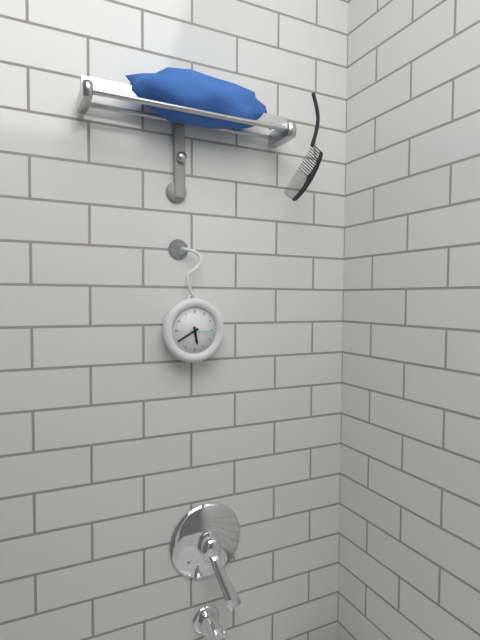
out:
{"hour": 5, "minute": 40}
